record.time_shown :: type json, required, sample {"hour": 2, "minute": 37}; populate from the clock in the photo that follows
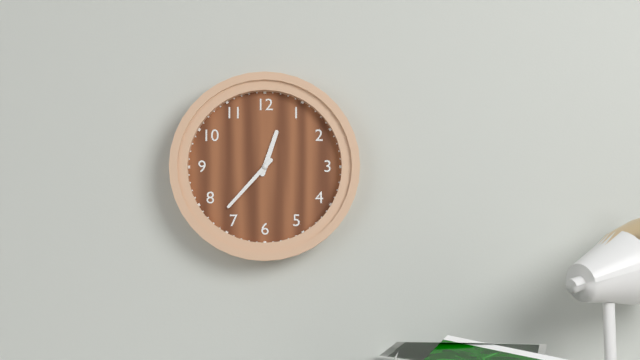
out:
{"hour": 12, "minute": 37}
